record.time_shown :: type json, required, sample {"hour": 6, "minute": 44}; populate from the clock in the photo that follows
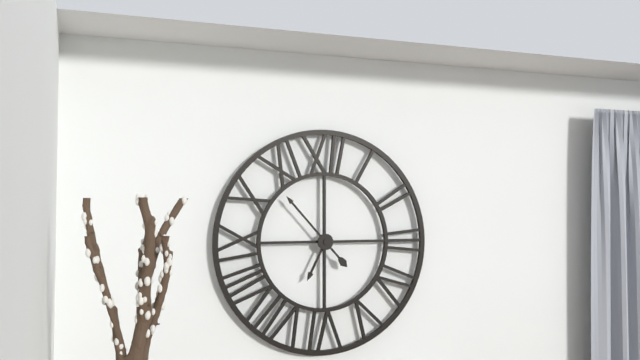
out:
{"hour": 6, "minute": 53}
